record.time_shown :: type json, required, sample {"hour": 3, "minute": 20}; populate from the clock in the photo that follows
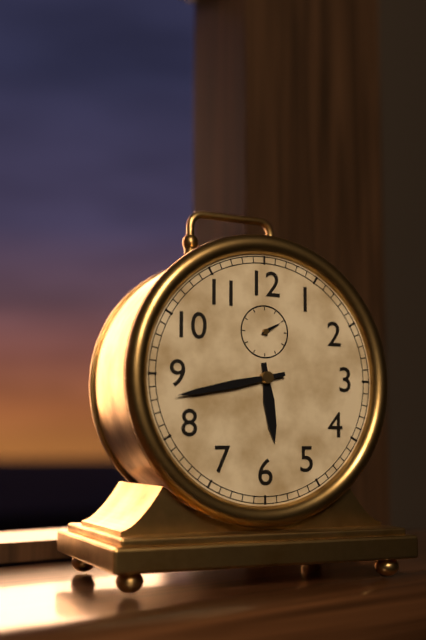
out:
{"hour": 5, "minute": 43}
